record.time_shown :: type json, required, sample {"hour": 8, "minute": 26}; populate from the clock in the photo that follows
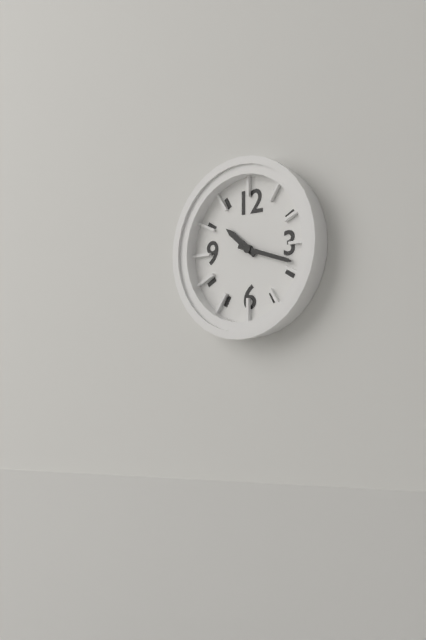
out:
{"hour": 10, "minute": 18}
